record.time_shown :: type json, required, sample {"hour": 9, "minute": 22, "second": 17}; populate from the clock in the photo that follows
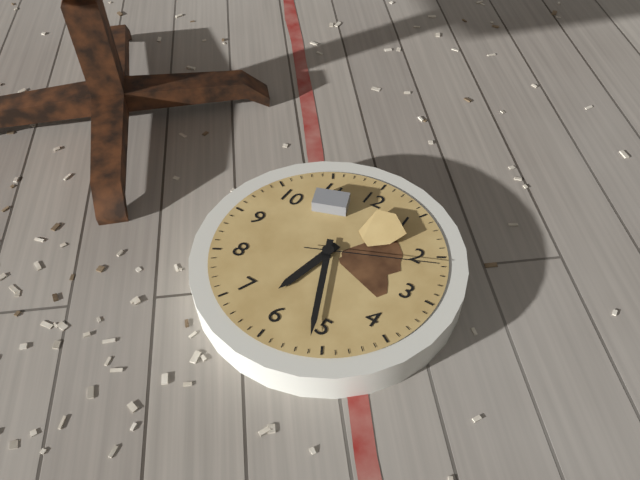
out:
{"hour": 6, "minute": 26, "second": 11}
